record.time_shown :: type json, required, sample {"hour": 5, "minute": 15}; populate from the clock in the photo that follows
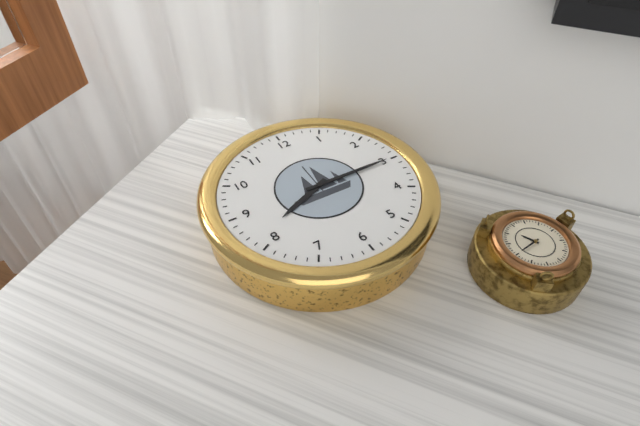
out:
{"hour": 8, "minute": 15}
